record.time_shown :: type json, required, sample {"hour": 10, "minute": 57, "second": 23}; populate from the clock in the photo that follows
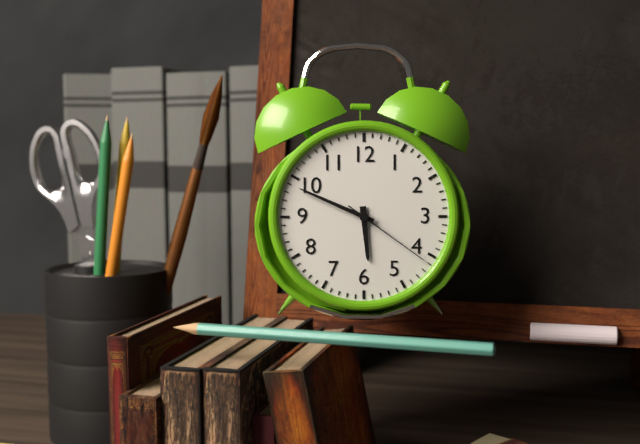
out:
{"hour": 5, "minute": 49, "second": 21}
